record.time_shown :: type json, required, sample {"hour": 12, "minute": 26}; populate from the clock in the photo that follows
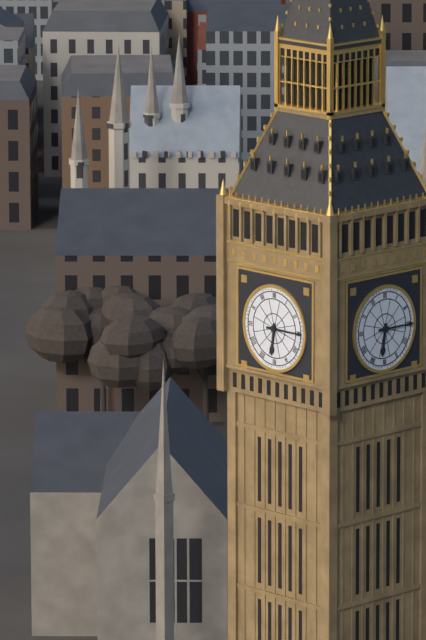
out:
{"hour": 6, "minute": 15}
